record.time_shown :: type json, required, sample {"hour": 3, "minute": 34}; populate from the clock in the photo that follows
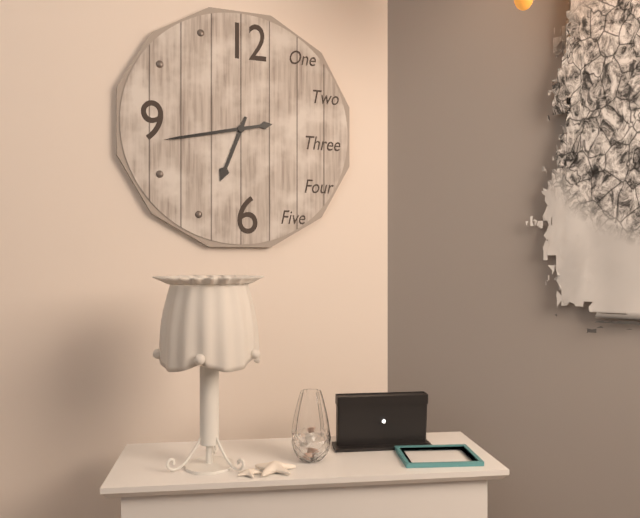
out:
{"hour": 6, "minute": 43}
